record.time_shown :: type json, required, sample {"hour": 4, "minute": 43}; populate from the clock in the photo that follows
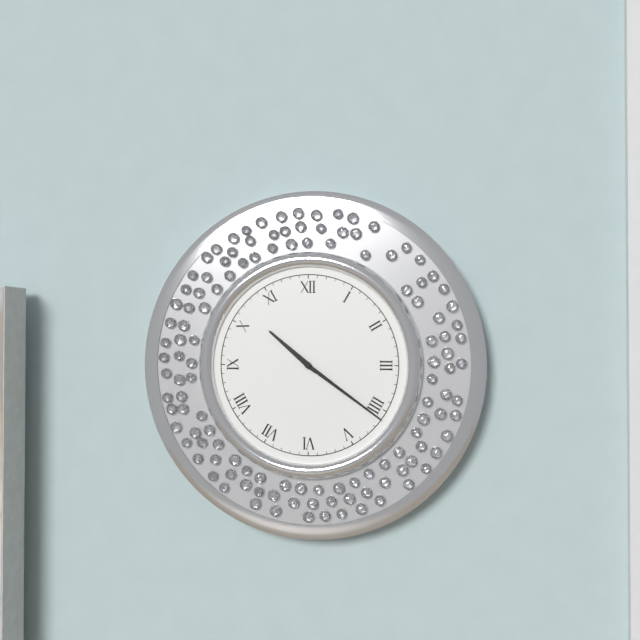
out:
{"hour": 10, "minute": 21}
